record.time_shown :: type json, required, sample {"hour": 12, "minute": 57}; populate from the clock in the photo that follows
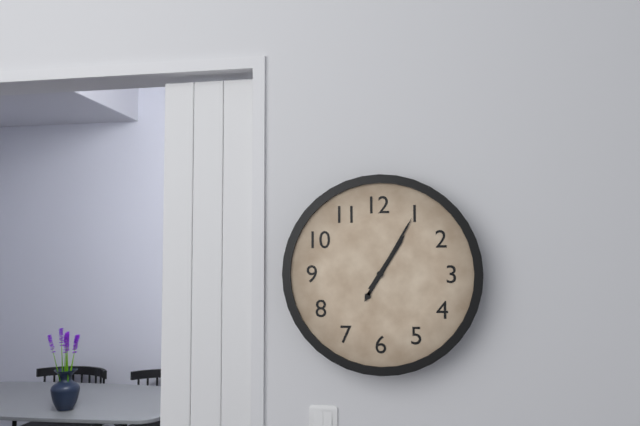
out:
{"hour": 1, "minute": 5}
